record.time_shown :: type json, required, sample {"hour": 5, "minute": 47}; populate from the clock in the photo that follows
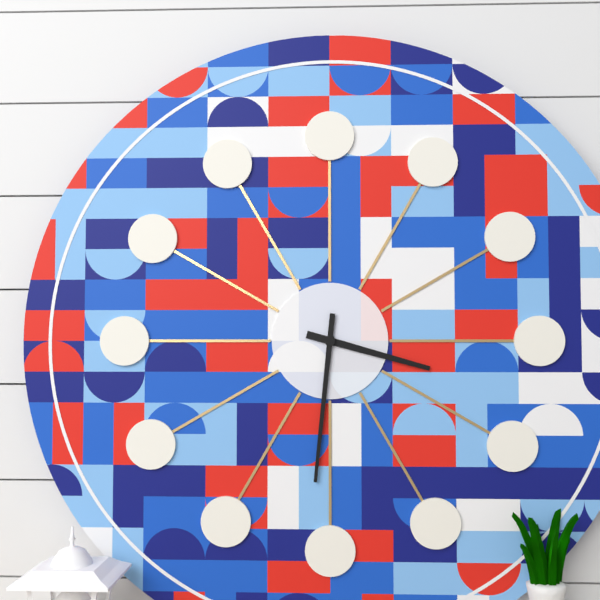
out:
{"hour": 3, "minute": 31}
